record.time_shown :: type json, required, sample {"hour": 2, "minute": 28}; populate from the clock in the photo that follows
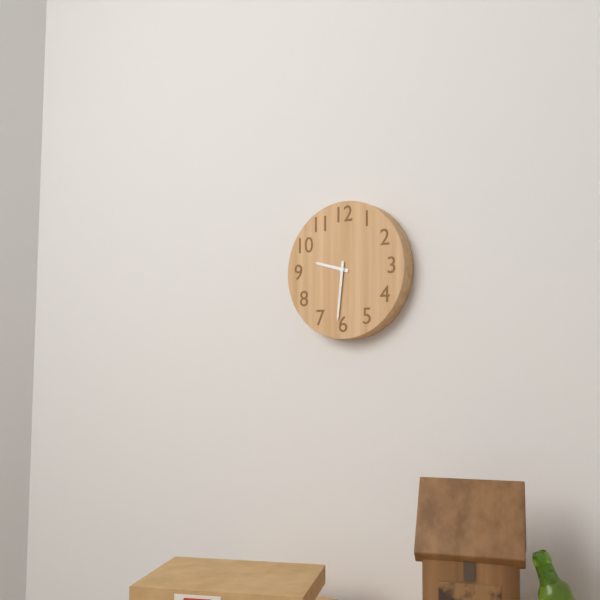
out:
{"hour": 9, "minute": 31}
